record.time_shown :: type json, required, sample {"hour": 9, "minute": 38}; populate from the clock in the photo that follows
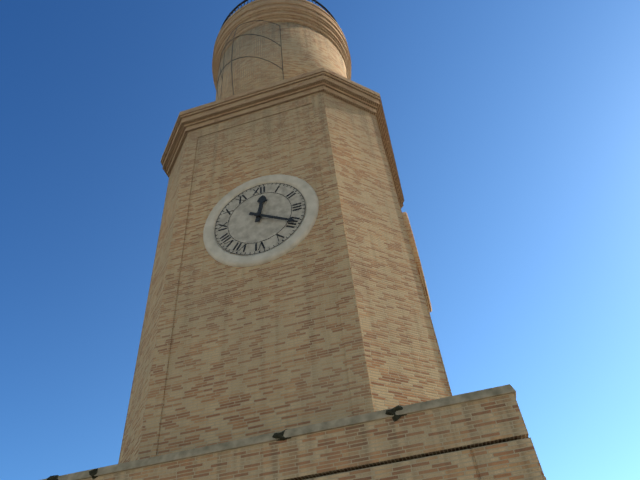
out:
{"hour": 12, "minute": 20}
